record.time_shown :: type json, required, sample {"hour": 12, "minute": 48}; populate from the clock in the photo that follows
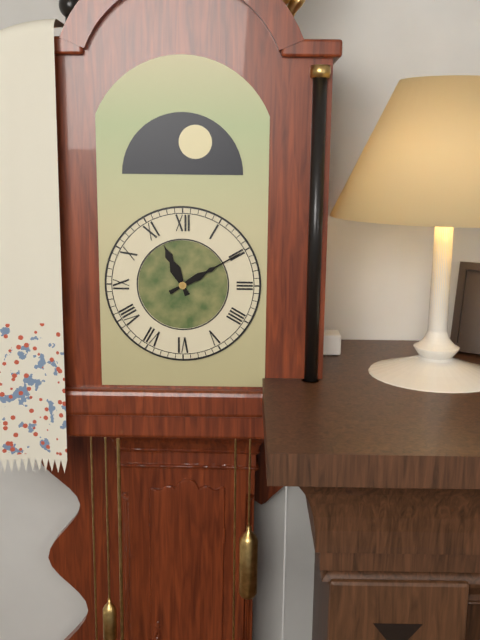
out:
{"hour": 11, "minute": 10}
